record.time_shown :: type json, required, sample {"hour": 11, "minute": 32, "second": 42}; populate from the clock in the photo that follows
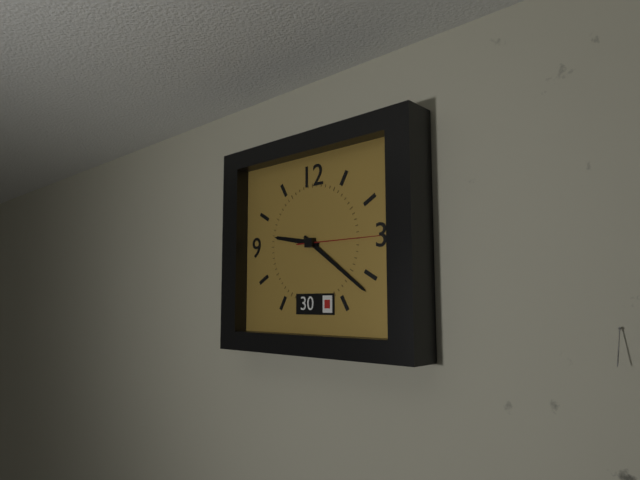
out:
{"hour": 9, "minute": 21, "second": 15}
